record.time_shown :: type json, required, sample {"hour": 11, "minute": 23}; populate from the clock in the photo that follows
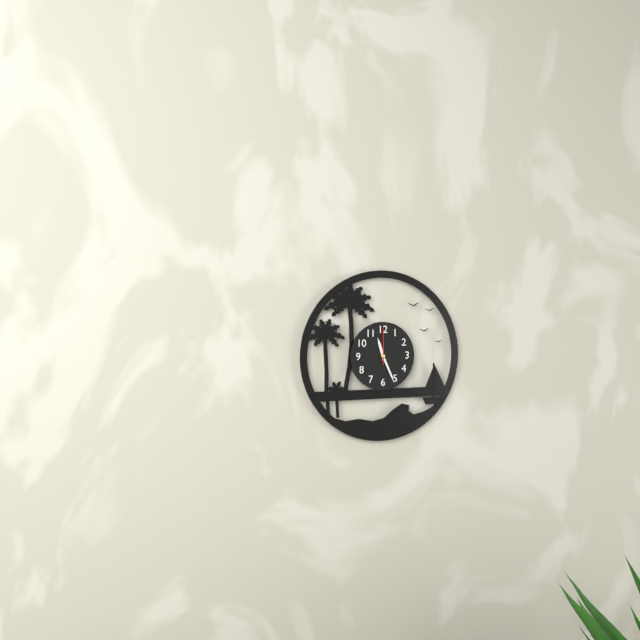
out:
{"hour": 11, "minute": 26}
